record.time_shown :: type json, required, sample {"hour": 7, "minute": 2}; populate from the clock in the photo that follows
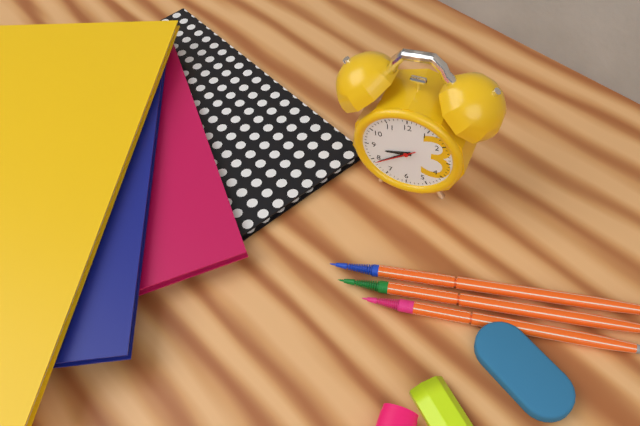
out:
{"hour": 8, "minute": 39}
